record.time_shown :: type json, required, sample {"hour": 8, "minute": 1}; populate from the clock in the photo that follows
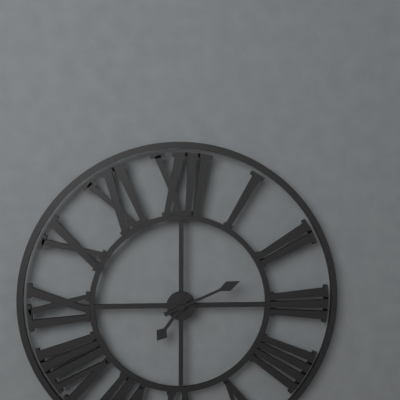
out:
{"hour": 7, "minute": 11}
